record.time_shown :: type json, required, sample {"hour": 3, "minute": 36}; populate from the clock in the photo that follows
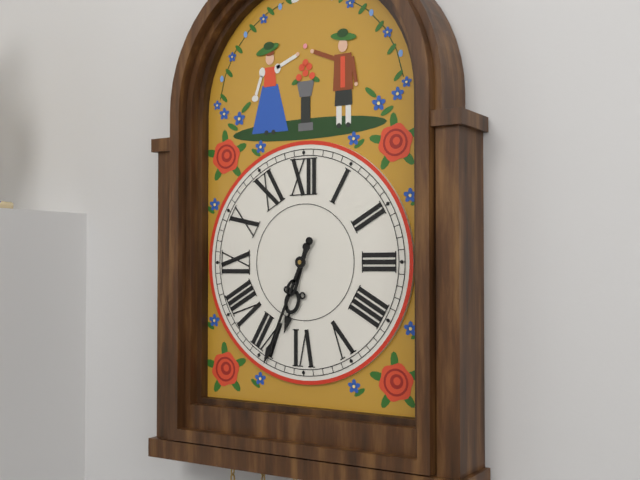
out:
{"hour": 6, "minute": 34}
